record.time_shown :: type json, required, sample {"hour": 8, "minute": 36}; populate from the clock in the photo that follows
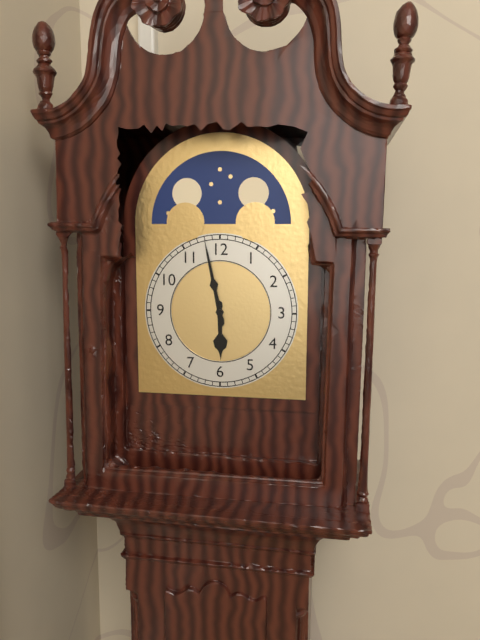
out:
{"hour": 5, "minute": 58}
